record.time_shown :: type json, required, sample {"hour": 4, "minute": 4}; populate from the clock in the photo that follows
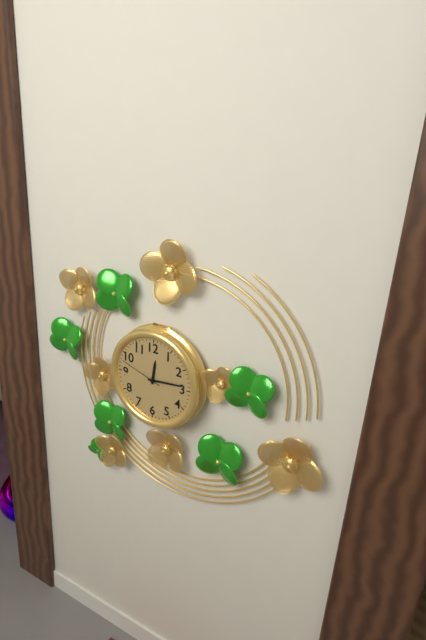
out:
{"hour": 12, "minute": 14}
